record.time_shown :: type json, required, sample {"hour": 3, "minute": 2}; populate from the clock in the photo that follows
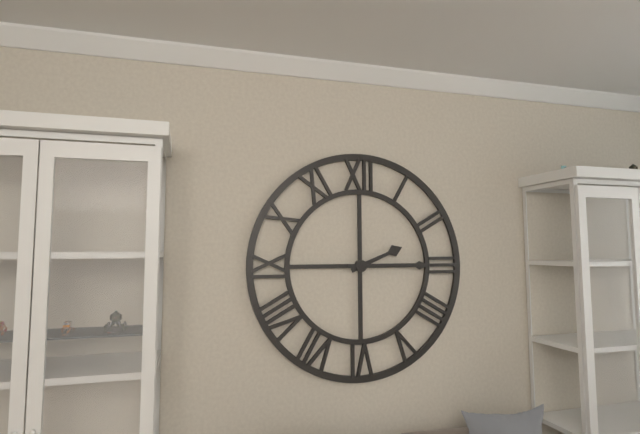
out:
{"hour": 2, "minute": 15}
